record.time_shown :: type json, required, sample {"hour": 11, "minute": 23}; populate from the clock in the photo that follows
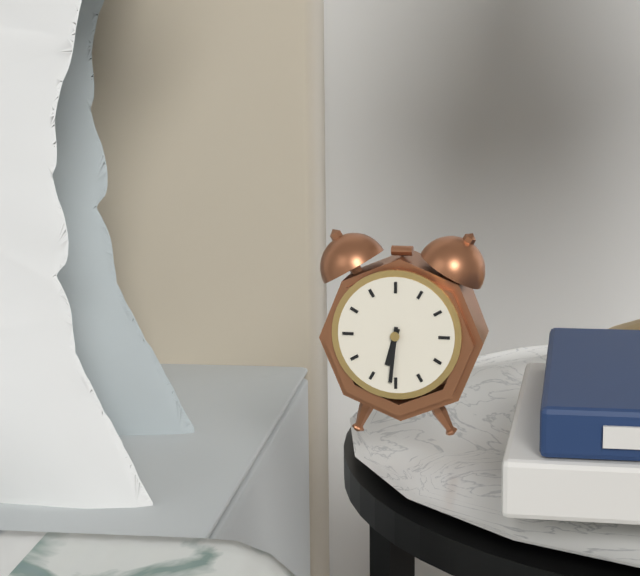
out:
{"hour": 6, "minute": 31}
